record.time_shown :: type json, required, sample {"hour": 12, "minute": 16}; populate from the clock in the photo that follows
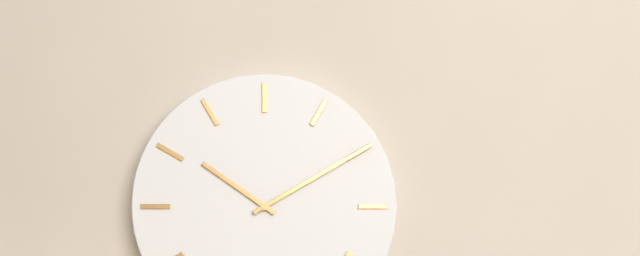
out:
{"hour": 10, "minute": 10}
